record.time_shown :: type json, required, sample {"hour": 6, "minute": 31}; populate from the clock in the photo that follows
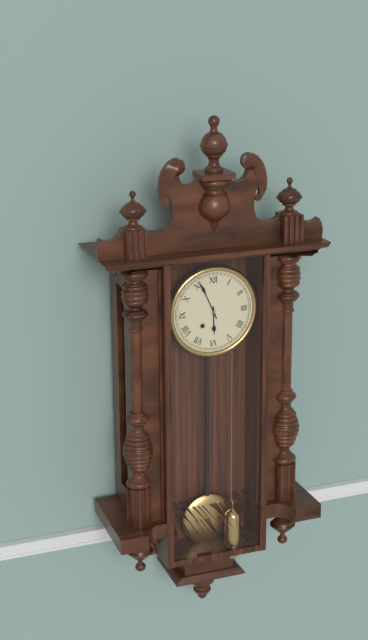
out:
{"hour": 5, "minute": 56}
